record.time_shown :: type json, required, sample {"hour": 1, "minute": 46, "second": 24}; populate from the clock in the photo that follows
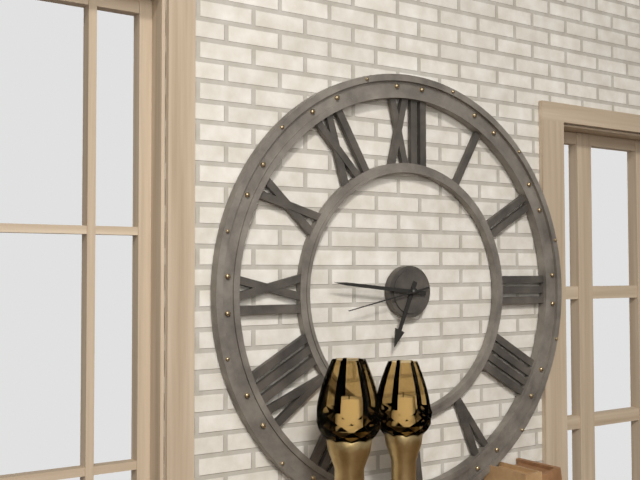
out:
{"hour": 6, "minute": 46, "second": 43}
